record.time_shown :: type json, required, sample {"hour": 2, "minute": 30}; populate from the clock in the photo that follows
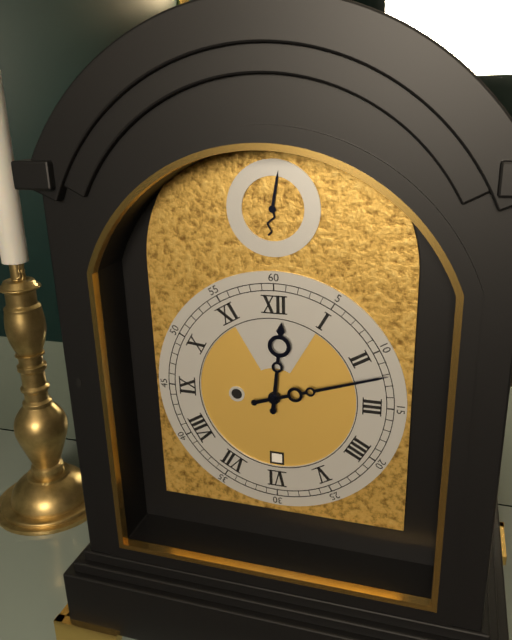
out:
{"hour": 12, "minute": 12}
